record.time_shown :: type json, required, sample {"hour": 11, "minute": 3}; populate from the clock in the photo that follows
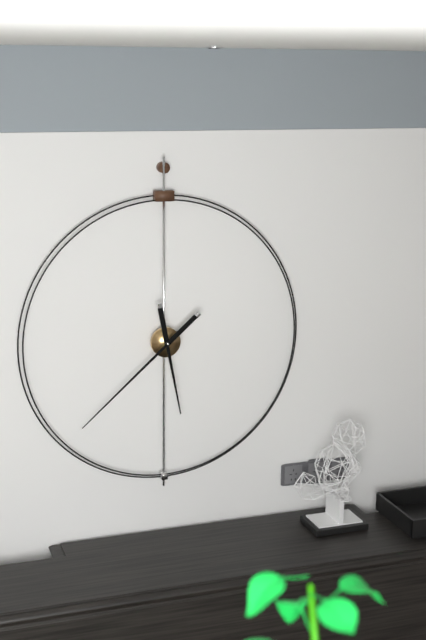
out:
{"hour": 5, "minute": 38}
